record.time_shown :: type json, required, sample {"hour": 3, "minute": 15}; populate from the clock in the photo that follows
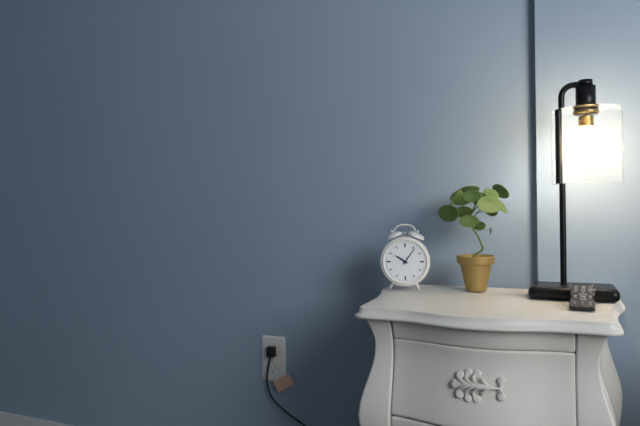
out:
{"hour": 10, "minute": 6}
